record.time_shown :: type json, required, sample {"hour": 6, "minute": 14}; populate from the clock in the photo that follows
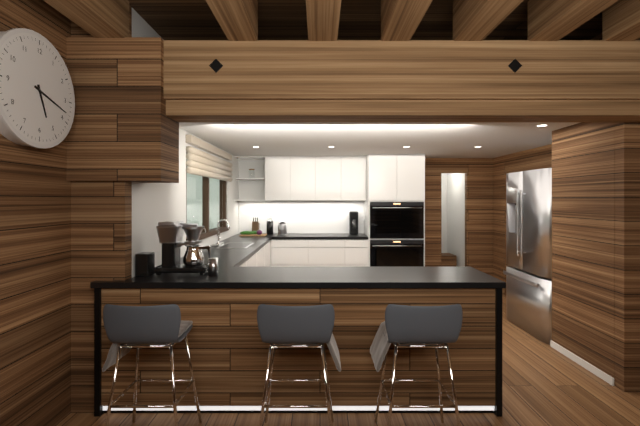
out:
{"hour": 5, "minute": 18}
